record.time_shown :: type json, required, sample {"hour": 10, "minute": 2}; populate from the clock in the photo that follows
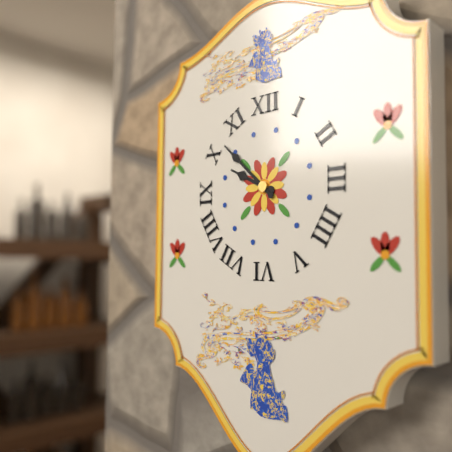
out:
{"hour": 9, "minute": 52}
